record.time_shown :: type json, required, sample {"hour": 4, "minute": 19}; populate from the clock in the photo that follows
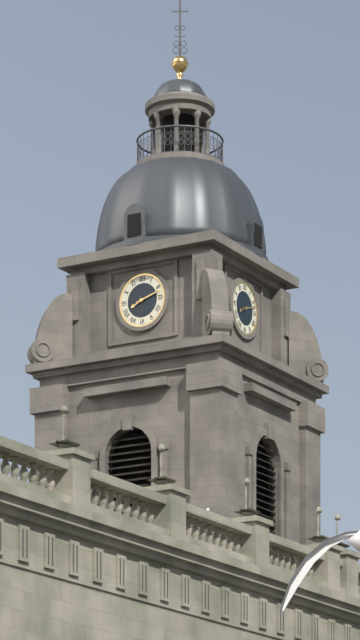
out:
{"hour": 8, "minute": 12}
